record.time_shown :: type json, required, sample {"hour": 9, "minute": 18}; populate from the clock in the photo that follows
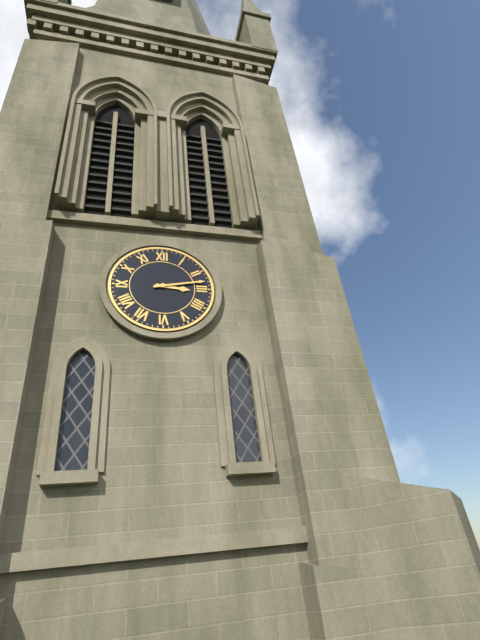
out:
{"hour": 3, "minute": 13}
